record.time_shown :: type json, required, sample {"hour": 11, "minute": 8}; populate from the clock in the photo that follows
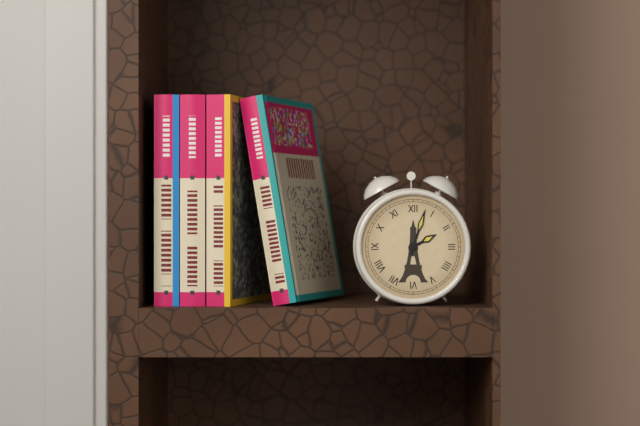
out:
{"hour": 2, "minute": 3}
